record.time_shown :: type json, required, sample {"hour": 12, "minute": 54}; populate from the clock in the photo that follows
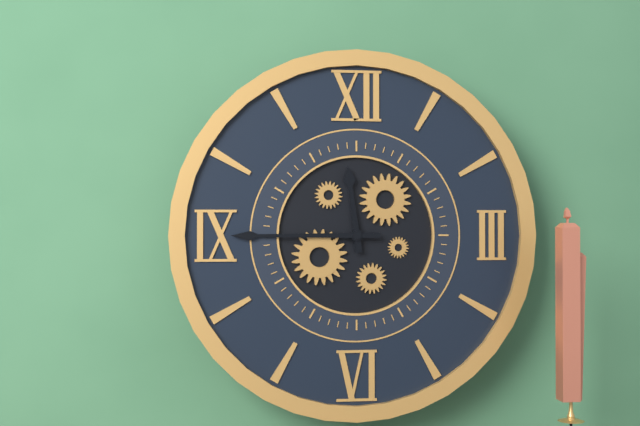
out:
{"hour": 11, "minute": 45}
